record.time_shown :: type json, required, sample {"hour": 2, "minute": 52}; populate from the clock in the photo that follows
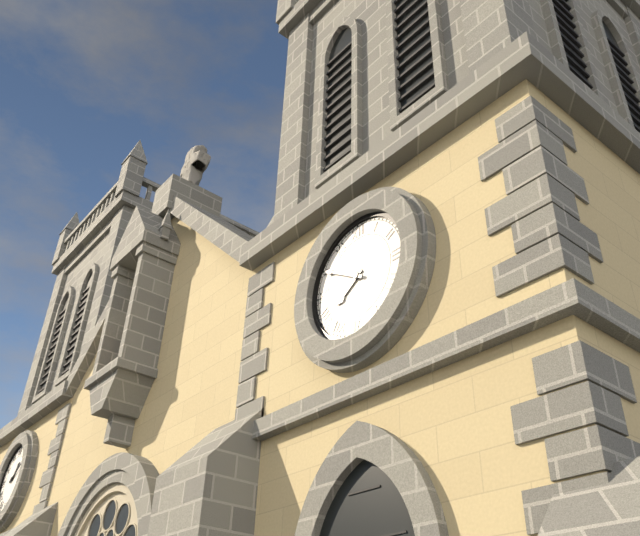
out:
{"hour": 7, "minute": 50}
